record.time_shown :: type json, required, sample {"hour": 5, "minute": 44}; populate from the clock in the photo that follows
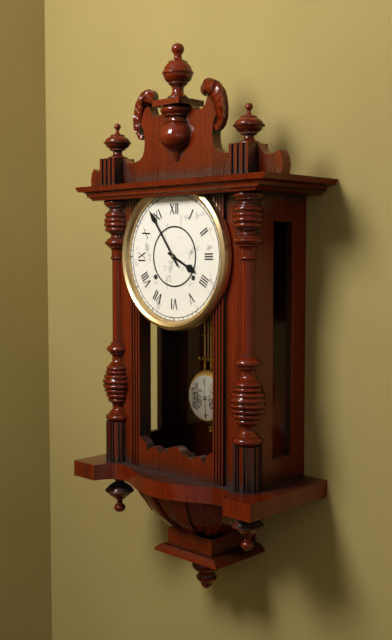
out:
{"hour": 3, "minute": 54}
